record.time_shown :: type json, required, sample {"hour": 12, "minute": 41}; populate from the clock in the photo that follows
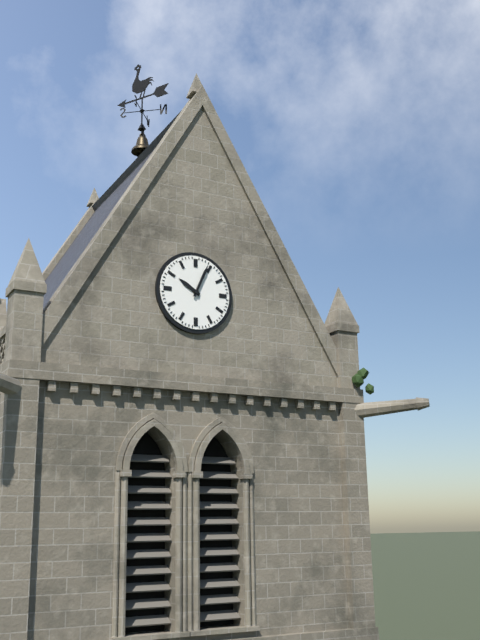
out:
{"hour": 10, "minute": 4}
